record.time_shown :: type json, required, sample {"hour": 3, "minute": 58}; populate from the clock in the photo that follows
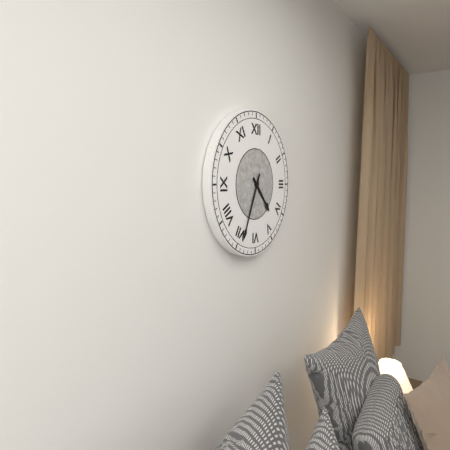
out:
{"hour": 4, "minute": 34}
